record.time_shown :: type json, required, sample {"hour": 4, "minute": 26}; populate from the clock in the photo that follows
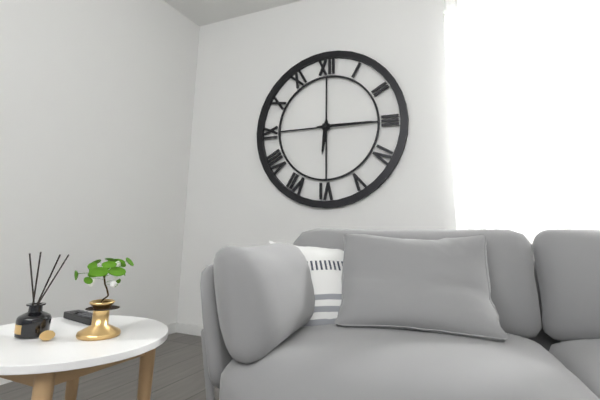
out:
{"hour": 6, "minute": 15}
